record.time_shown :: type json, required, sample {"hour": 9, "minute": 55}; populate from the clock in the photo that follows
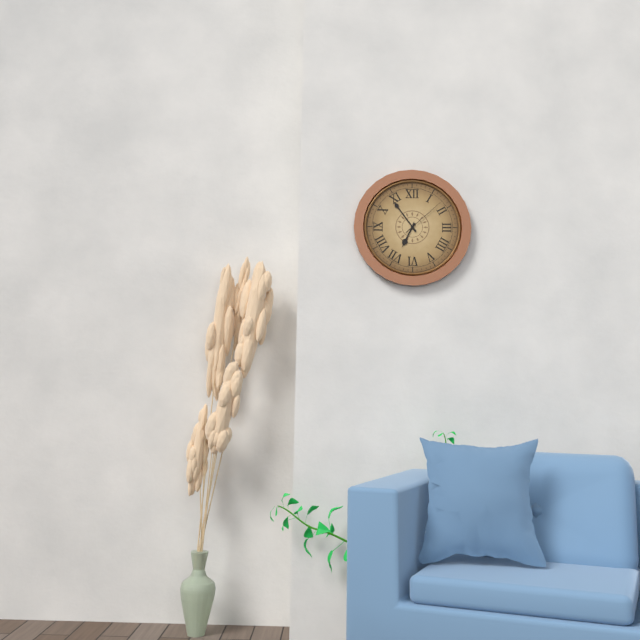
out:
{"hour": 6, "minute": 54}
